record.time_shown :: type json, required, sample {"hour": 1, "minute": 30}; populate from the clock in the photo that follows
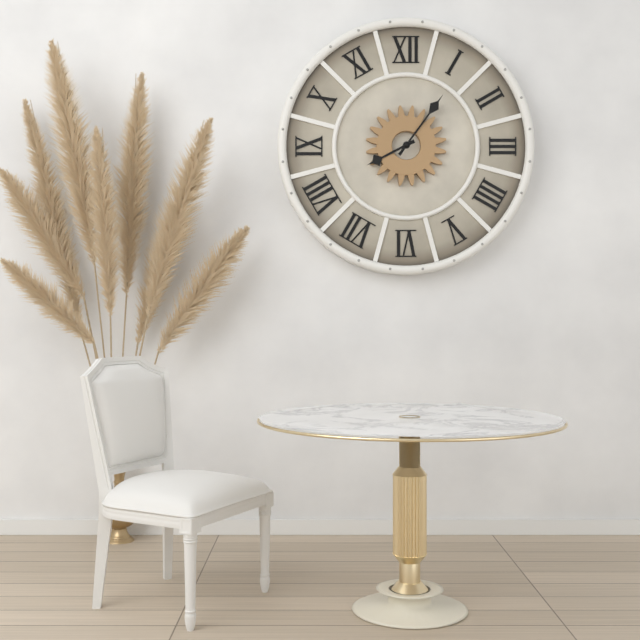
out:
{"hour": 8, "minute": 6}
